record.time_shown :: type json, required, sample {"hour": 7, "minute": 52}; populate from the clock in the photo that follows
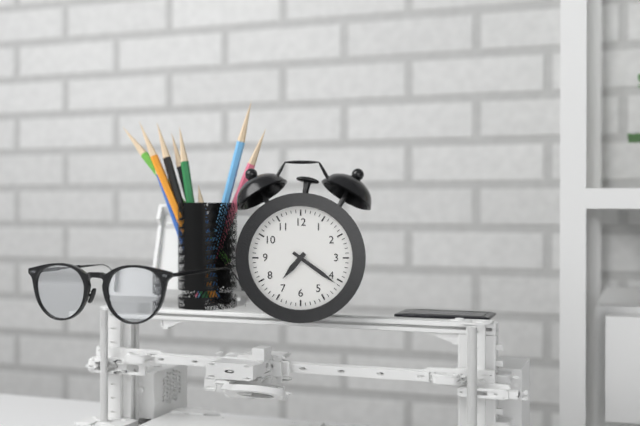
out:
{"hour": 7, "minute": 21}
